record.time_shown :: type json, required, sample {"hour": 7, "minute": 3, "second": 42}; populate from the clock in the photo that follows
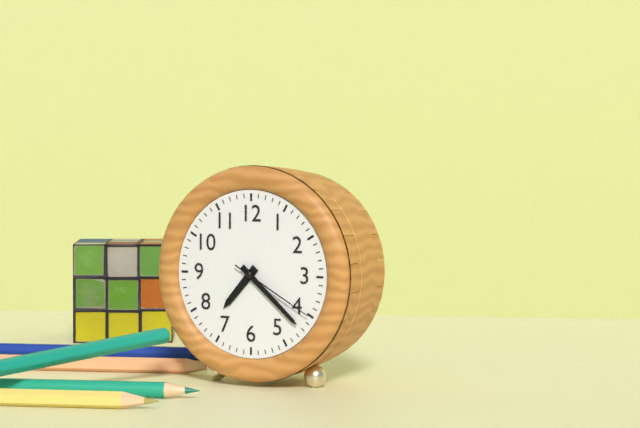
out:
{"hour": 7, "minute": 22, "second": 20}
